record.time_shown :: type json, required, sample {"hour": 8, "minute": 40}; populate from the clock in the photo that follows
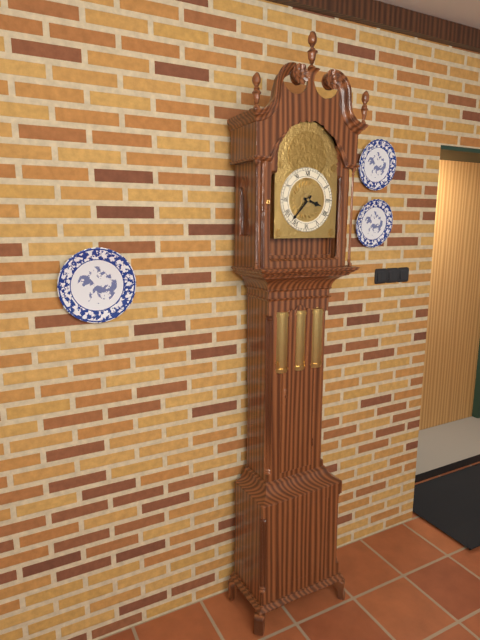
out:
{"hour": 3, "minute": 37}
